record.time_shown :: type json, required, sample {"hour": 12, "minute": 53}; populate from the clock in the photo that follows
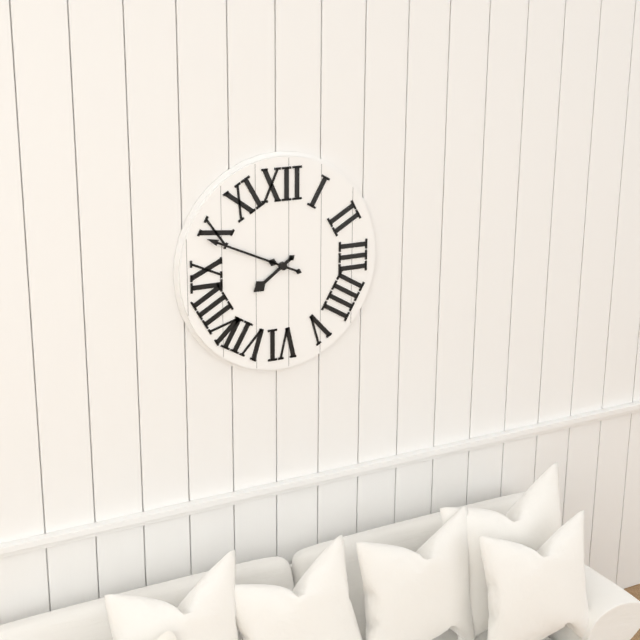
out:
{"hour": 7, "minute": 49}
